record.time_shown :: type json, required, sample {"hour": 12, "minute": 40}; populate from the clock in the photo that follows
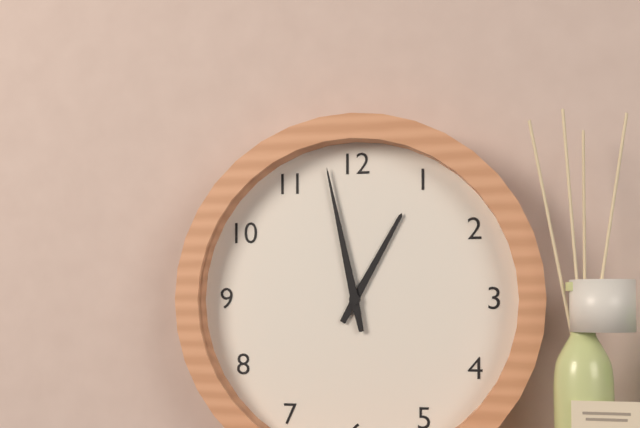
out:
{"hour": 12, "minute": 58}
